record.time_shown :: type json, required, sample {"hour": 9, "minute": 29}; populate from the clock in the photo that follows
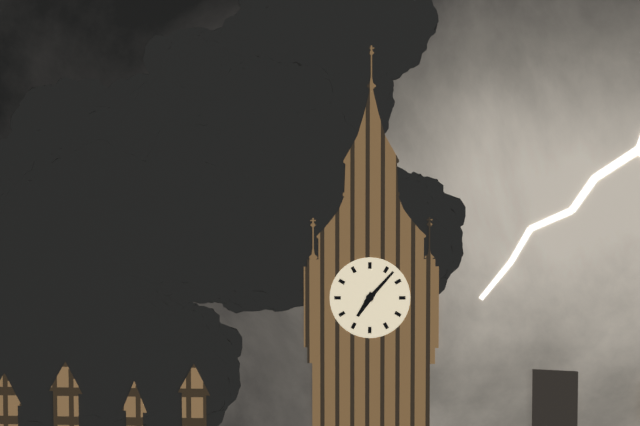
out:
{"hour": 7, "minute": 7}
